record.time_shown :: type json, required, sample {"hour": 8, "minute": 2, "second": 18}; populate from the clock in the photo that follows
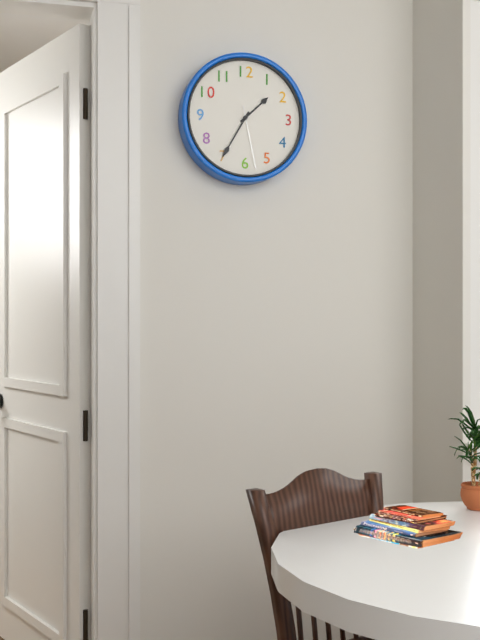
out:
{"hour": 1, "minute": 35, "second": 28}
